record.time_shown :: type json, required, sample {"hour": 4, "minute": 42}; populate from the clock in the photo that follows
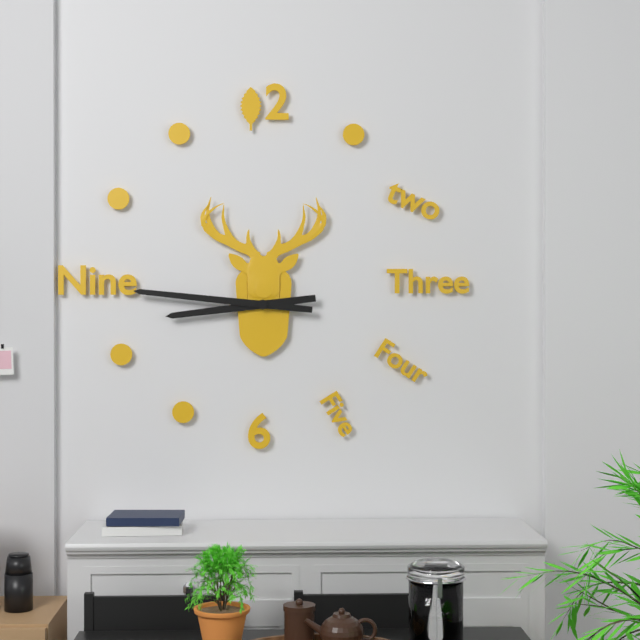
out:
{"hour": 8, "minute": 46}
